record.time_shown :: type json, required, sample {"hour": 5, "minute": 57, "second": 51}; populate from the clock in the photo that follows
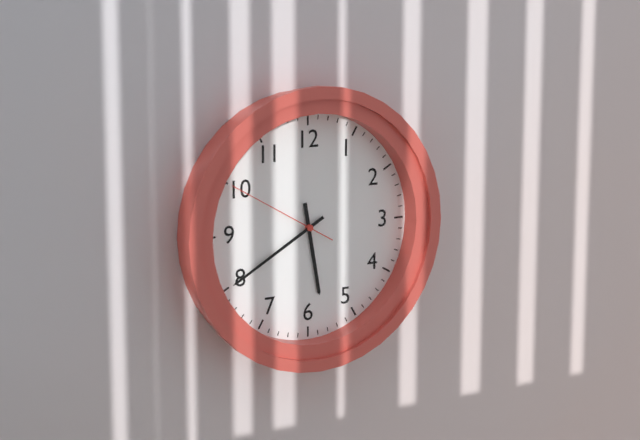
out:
{"hour": 5, "minute": 40, "second": 50}
